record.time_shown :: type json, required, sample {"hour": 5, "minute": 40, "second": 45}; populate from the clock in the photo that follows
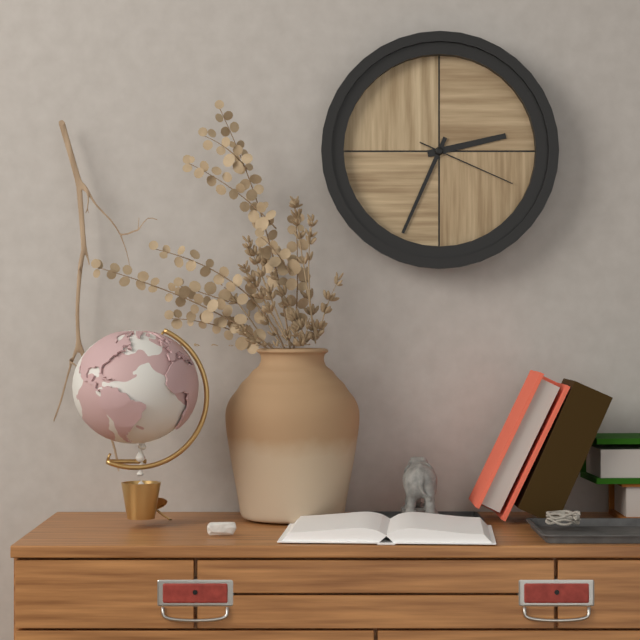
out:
{"hour": 2, "minute": 34, "second": 19}
